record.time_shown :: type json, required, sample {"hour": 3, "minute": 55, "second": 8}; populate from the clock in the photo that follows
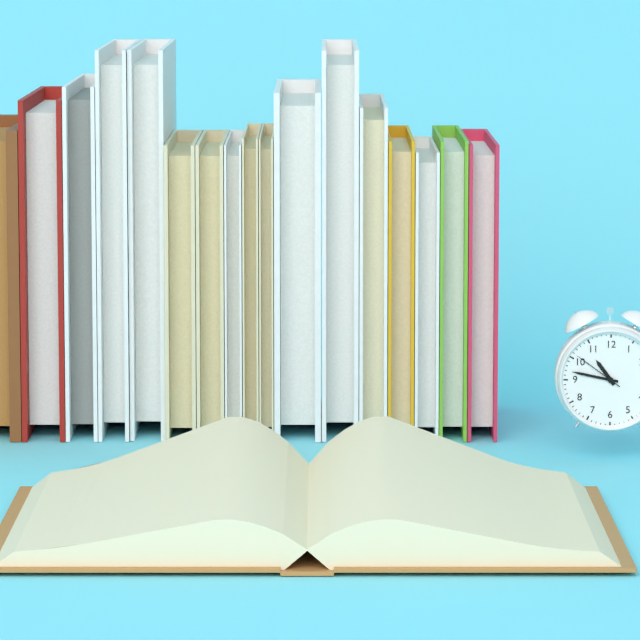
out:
{"hour": 10, "minute": 47, "second": 51}
